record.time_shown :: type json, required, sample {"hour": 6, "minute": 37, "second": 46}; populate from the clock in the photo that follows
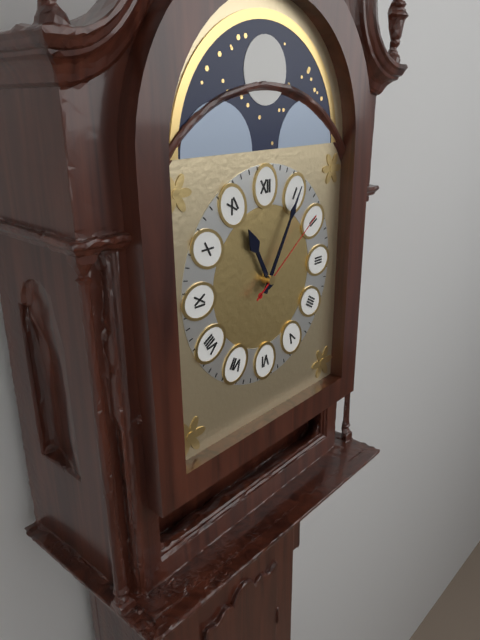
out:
{"hour": 11, "minute": 5, "second": 9}
